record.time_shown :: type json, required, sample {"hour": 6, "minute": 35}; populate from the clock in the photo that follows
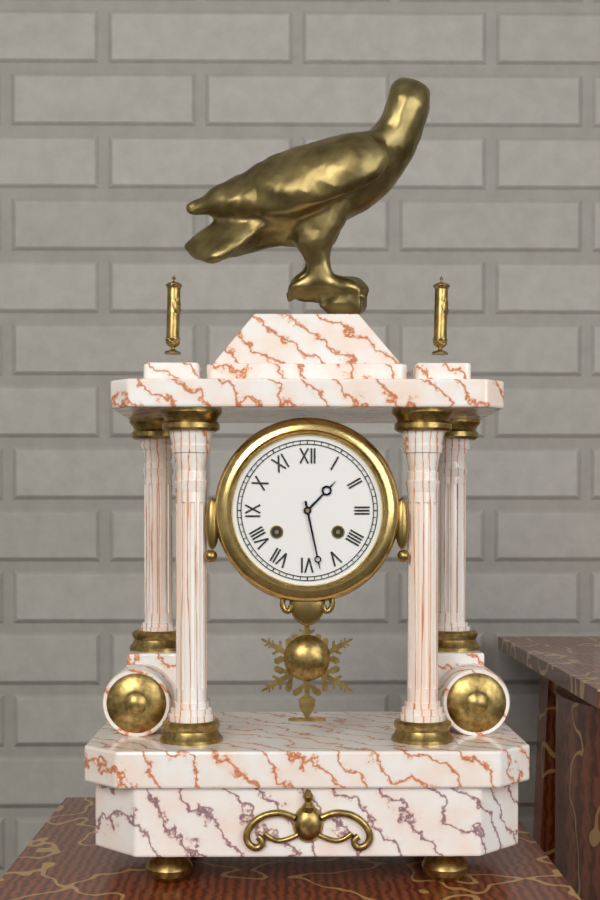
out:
{"hour": 1, "minute": 28}
